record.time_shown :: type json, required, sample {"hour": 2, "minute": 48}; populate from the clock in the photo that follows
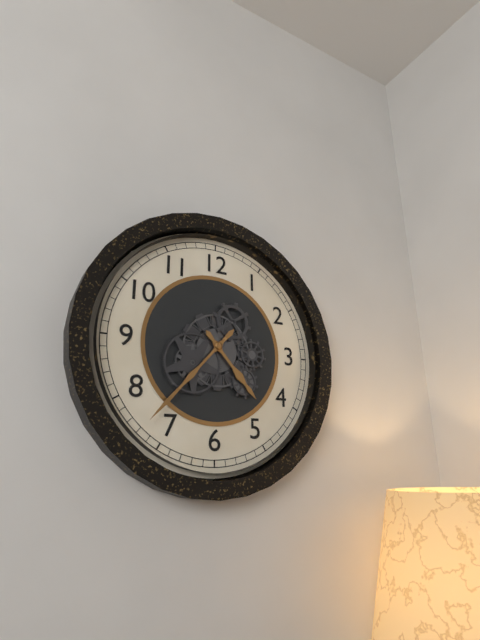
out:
{"hour": 4, "minute": 37}
